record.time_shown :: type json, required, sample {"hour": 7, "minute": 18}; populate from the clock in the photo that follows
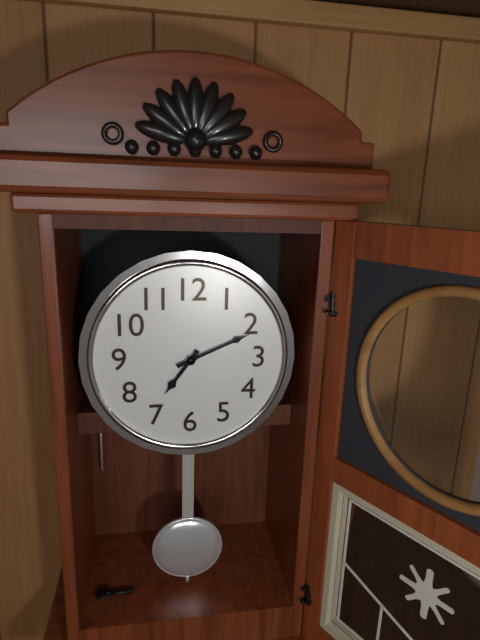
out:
{"hour": 7, "minute": 11}
